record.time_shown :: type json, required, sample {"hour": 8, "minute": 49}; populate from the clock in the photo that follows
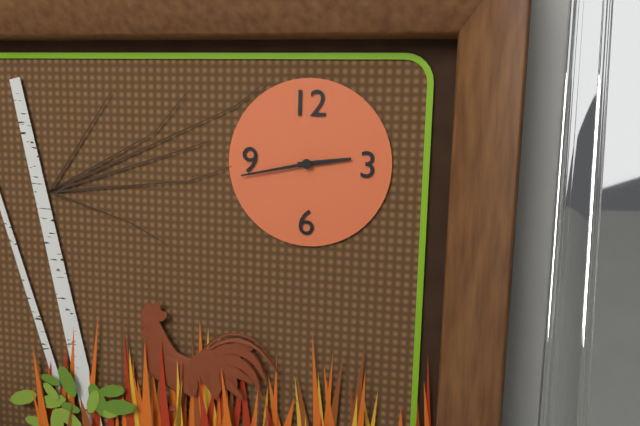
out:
{"hour": 2, "minute": 43}
